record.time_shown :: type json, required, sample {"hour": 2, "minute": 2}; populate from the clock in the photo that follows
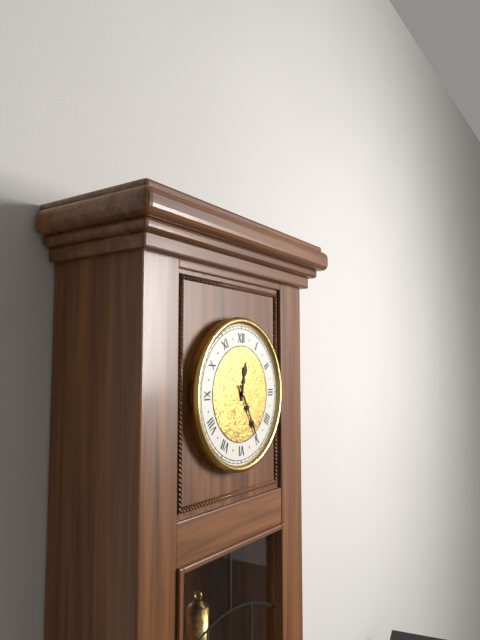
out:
{"hour": 12, "minute": 25}
